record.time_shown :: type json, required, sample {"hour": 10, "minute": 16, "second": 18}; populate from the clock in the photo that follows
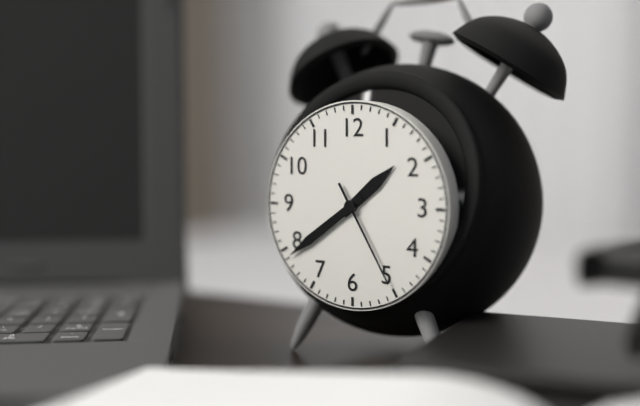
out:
{"hour": 1, "minute": 39, "second": 25}
